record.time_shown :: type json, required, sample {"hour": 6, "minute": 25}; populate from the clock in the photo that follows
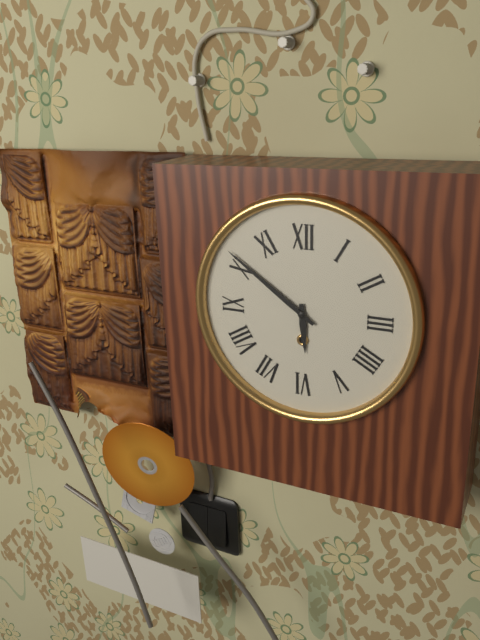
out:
{"hour": 5, "minute": 51}
